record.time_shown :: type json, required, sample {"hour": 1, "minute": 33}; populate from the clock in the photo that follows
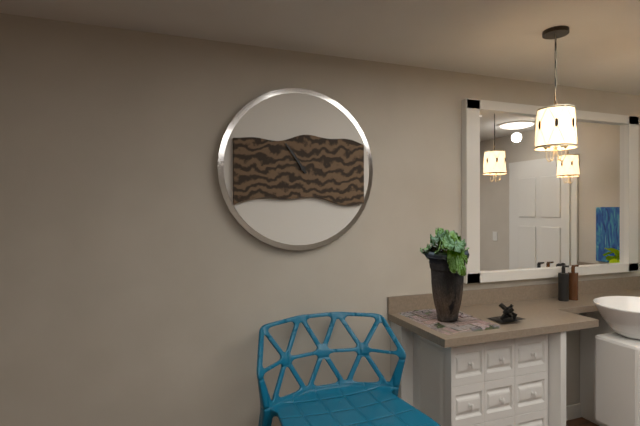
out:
{"hour": 10, "minute": 54}
